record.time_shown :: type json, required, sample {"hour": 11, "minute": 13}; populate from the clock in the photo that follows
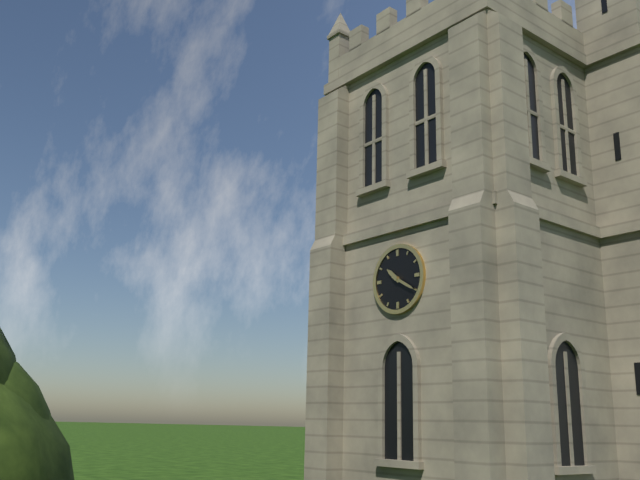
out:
{"hour": 10, "minute": 20}
